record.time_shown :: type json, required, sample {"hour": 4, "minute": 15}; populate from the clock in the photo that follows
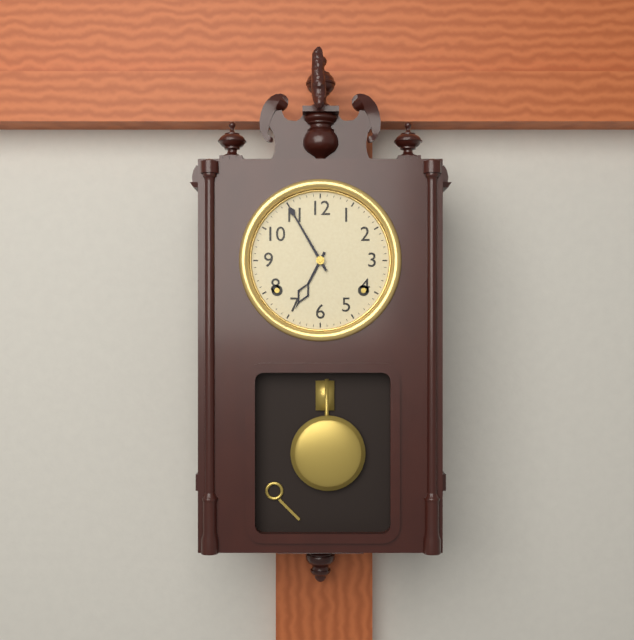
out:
{"hour": 6, "minute": 55}
